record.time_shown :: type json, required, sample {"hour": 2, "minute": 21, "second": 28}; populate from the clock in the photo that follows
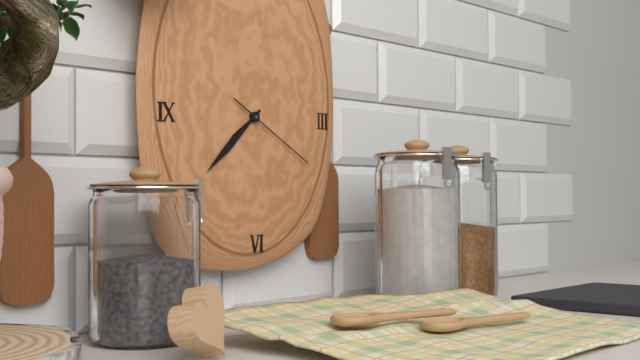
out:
{"hour": 7, "minute": 38, "second": 20}
